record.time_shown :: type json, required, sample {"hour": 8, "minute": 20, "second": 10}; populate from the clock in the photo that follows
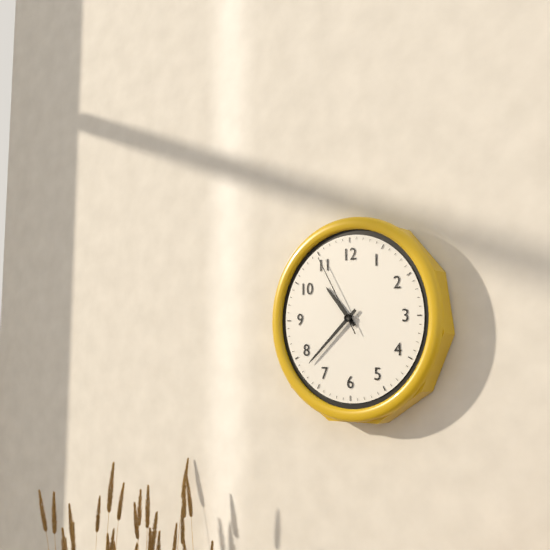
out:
{"hour": 10, "minute": 38, "second": 55}
